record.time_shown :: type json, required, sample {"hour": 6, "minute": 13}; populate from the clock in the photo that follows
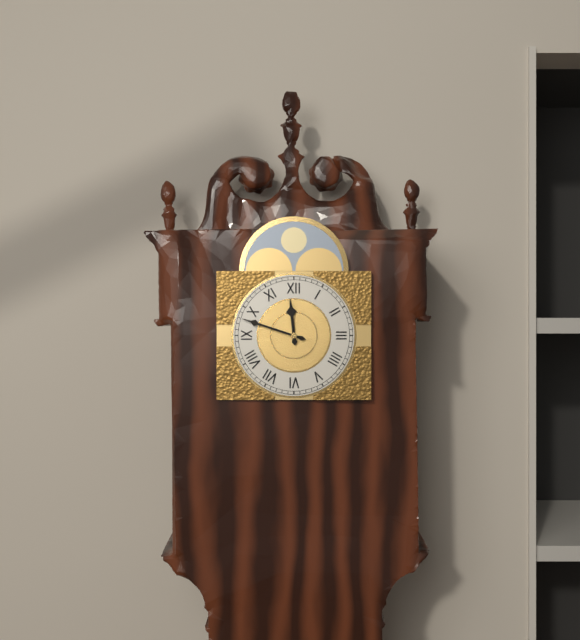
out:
{"hour": 11, "minute": 48}
